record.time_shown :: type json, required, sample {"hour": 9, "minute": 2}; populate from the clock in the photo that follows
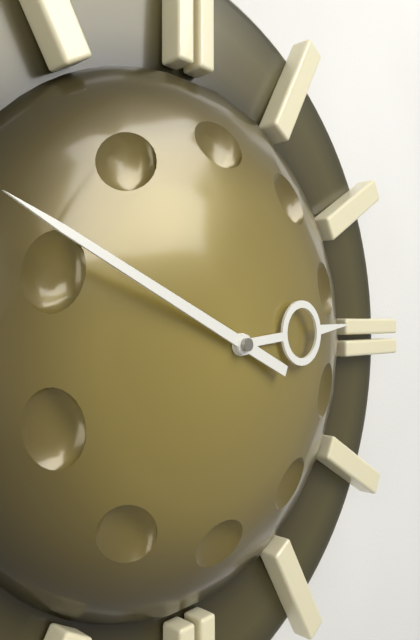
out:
{"hour": 2, "minute": 49}
